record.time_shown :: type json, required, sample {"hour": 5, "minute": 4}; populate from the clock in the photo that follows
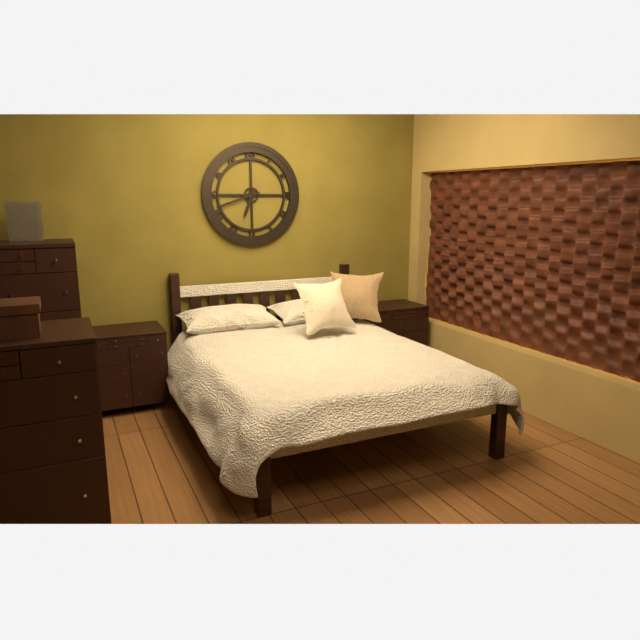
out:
{"hour": 6, "minute": 42}
